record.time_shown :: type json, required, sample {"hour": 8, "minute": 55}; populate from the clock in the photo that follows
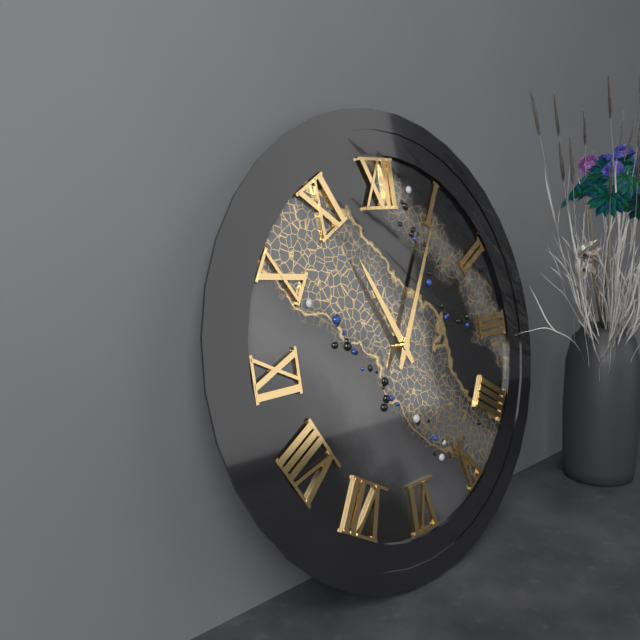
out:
{"hour": 11, "minute": 5}
